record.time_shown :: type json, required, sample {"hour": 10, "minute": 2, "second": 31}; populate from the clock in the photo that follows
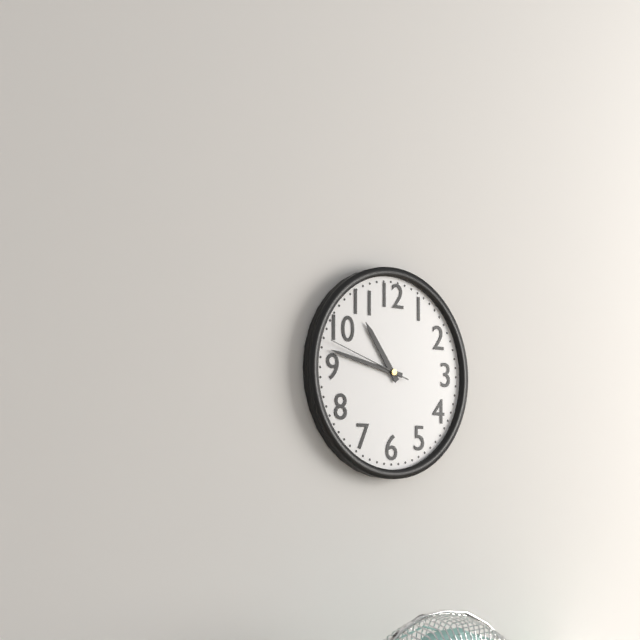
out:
{"hour": 10, "minute": 47, "second": 48}
